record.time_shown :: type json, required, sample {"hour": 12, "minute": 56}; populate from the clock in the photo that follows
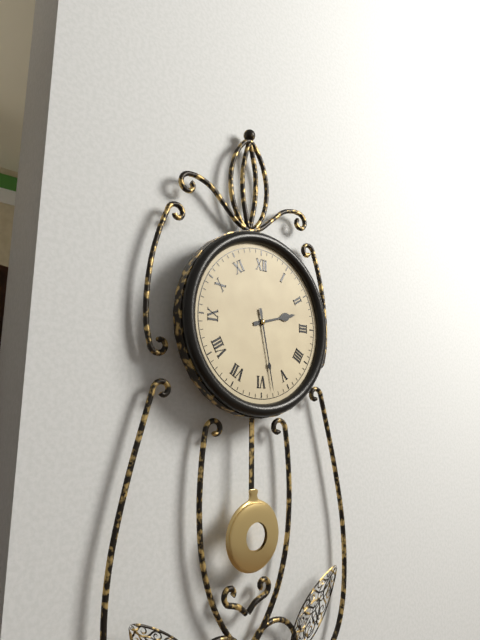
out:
{"hour": 2, "minute": 28}
